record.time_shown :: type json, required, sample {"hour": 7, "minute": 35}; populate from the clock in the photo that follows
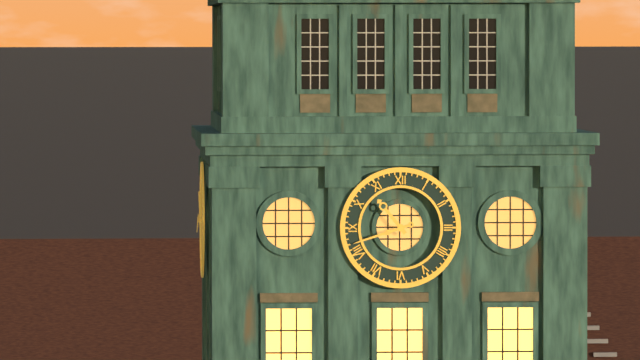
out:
{"hour": 10, "minute": 42}
